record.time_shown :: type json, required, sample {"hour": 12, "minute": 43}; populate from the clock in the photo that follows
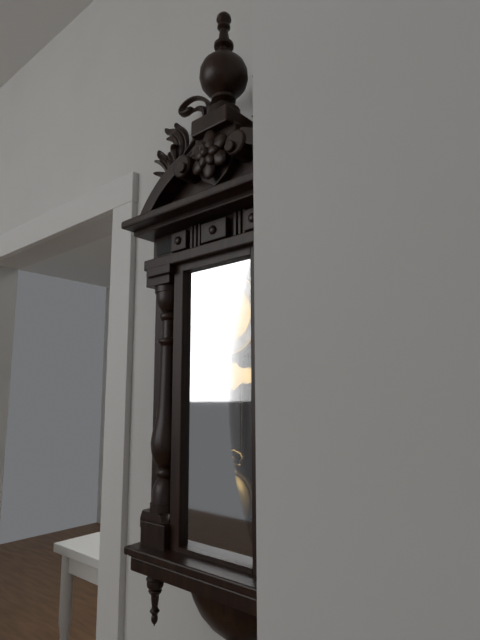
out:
{"hour": 1, "minute": 5}
